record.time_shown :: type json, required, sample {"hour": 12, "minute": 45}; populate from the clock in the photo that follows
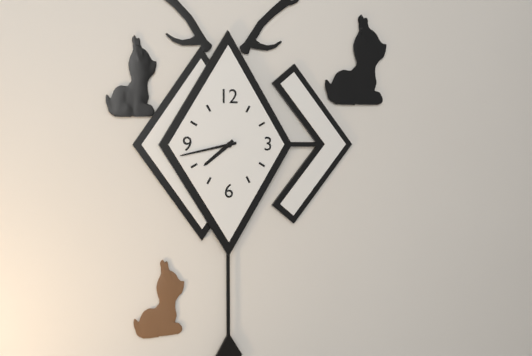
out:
{"hour": 7, "minute": 43}
